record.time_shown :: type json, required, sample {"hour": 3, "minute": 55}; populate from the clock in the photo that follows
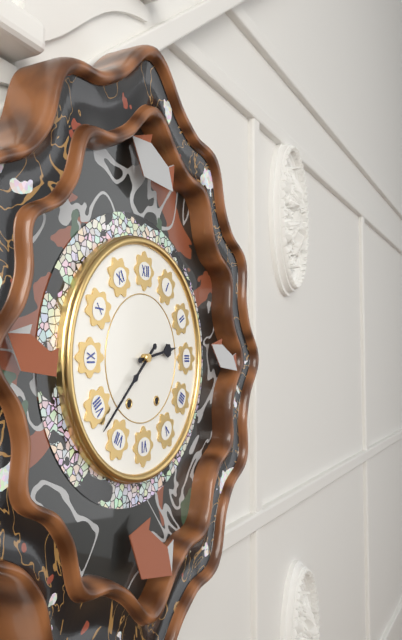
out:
{"hour": 2, "minute": 38}
